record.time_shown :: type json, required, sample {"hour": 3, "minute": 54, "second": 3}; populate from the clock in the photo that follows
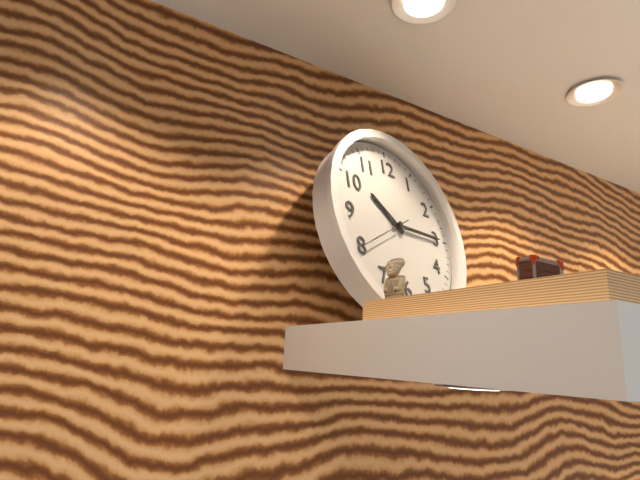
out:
{"hour": 10, "minute": 15, "second": 40}
